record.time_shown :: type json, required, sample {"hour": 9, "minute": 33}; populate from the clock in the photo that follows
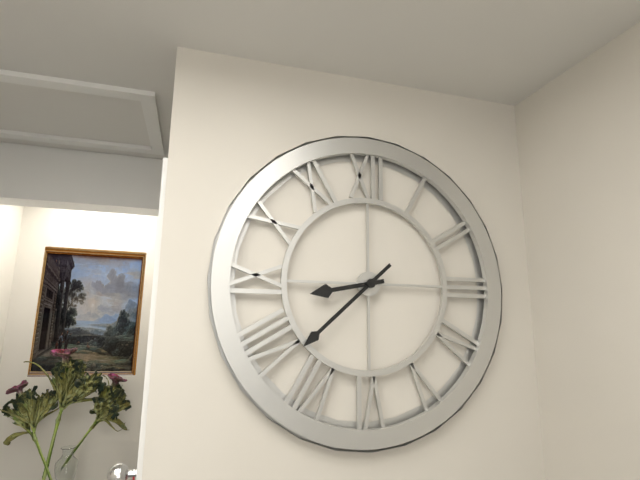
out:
{"hour": 8, "minute": 38}
